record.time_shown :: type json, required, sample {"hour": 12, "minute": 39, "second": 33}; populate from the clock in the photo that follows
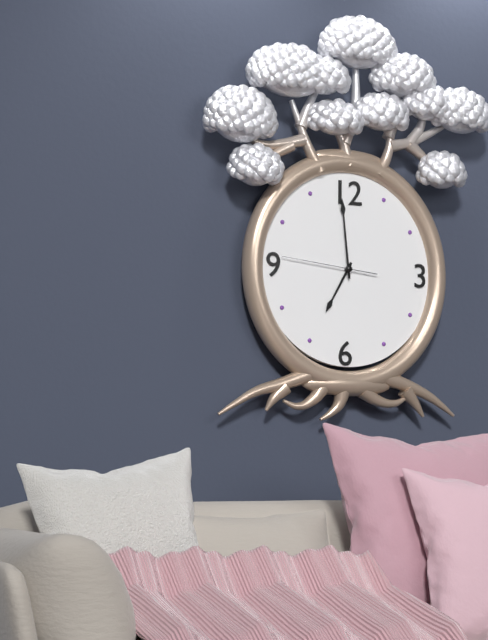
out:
{"hour": 6, "minute": 59, "second": 46}
